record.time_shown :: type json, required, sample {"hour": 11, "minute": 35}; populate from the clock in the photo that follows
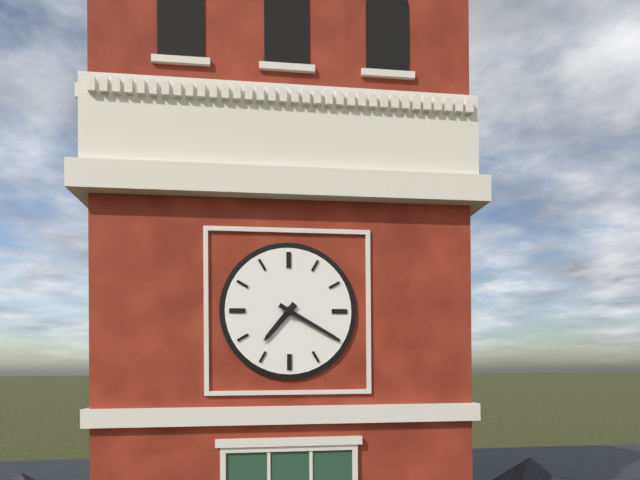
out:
{"hour": 7, "minute": 20}
